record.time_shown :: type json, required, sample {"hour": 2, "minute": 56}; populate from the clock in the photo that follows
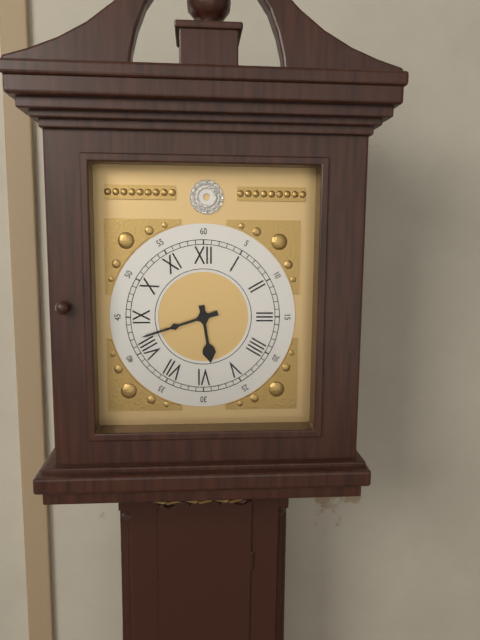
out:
{"hour": 5, "minute": 42}
